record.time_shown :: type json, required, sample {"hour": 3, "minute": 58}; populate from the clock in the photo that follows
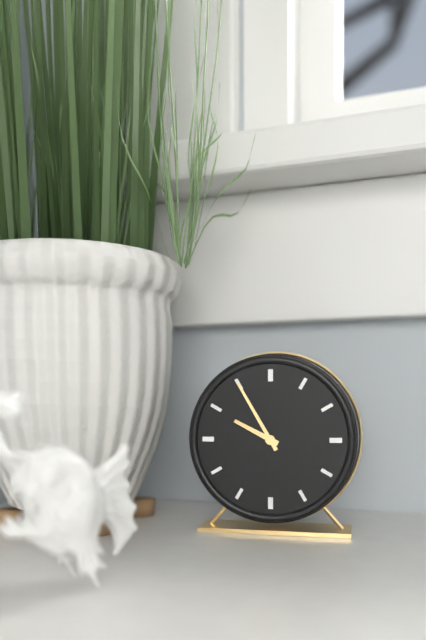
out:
{"hour": 9, "minute": 55}
